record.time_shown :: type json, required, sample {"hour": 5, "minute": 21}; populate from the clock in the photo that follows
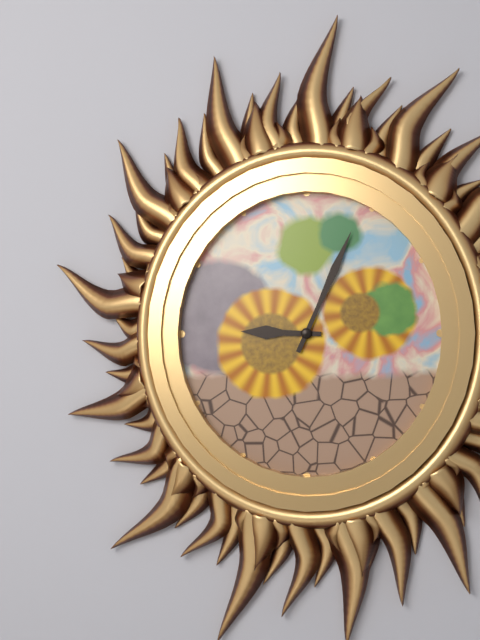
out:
{"hour": 9, "minute": 4}
